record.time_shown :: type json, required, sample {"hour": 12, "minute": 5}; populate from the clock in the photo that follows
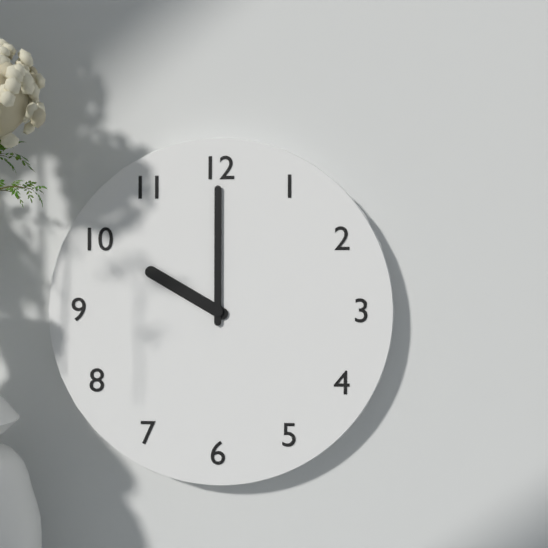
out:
{"hour": 10, "minute": 0}
